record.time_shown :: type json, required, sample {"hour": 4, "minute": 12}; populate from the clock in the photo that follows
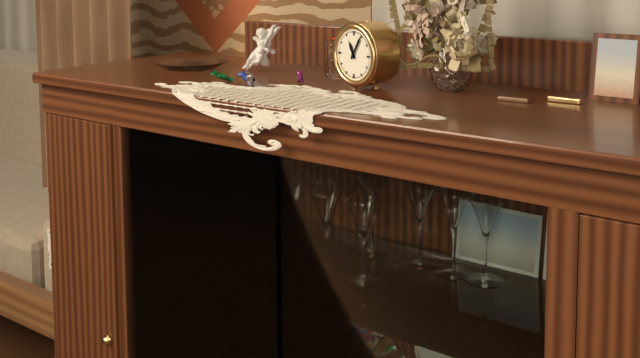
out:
{"hour": 11, "minute": 5}
